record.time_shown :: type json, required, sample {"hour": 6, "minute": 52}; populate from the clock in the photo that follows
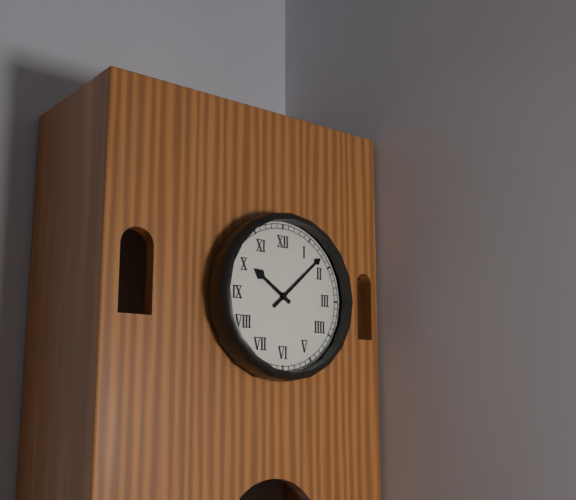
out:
{"hour": 10, "minute": 8}
